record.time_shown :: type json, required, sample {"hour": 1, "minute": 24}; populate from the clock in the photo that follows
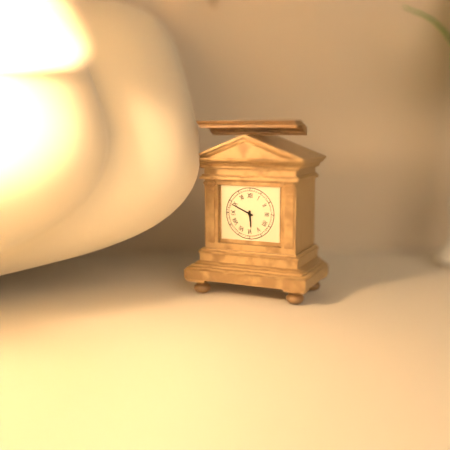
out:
{"hour": 5, "minute": 49}
